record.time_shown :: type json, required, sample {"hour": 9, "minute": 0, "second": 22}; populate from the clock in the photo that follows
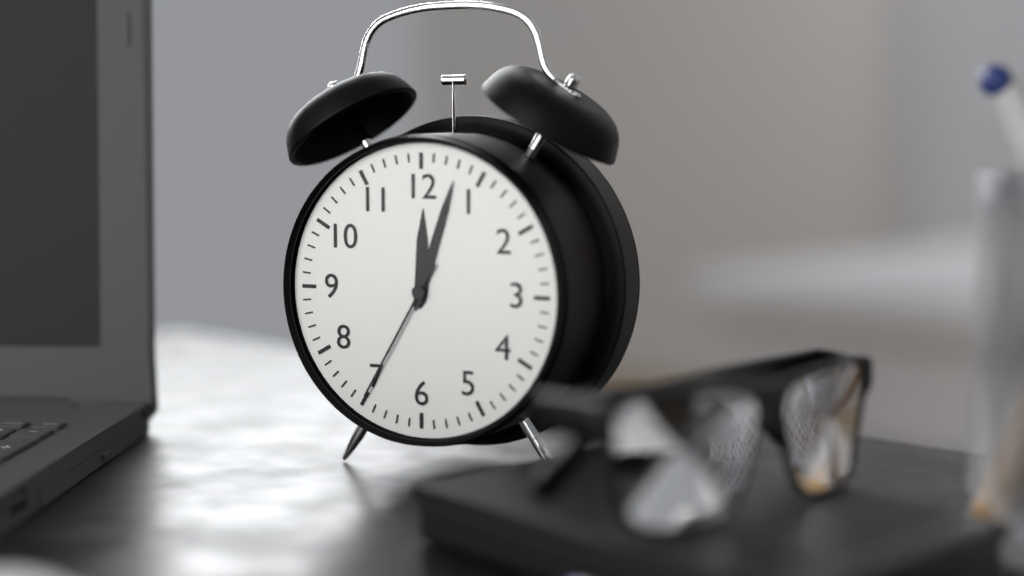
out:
{"hour": 12, "minute": 3, "second": 35}
